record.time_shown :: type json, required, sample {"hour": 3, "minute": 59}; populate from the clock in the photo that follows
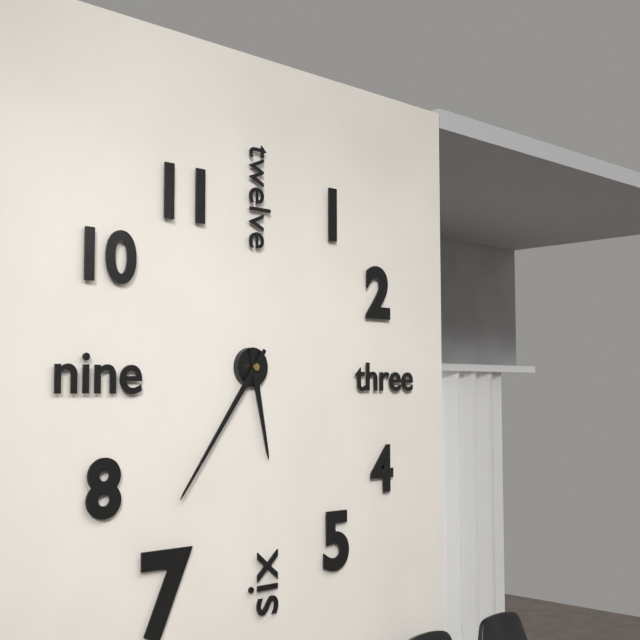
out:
{"hour": 5, "minute": 36}
